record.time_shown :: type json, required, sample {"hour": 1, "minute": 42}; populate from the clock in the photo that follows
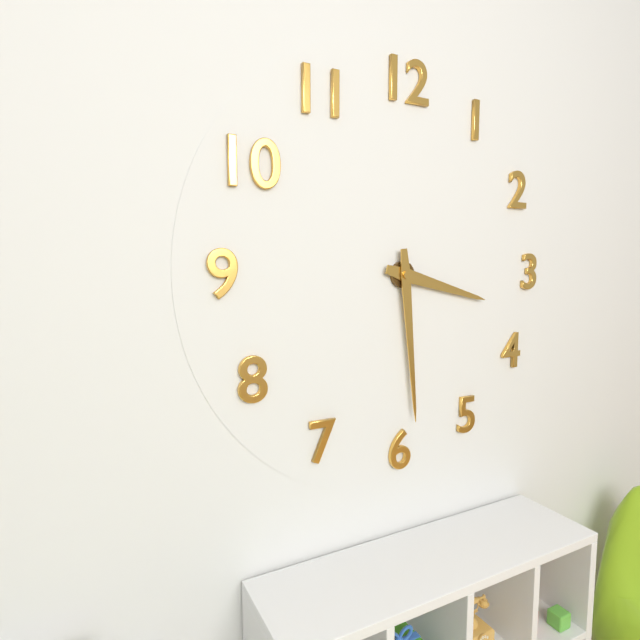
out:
{"hour": 3, "minute": 29}
